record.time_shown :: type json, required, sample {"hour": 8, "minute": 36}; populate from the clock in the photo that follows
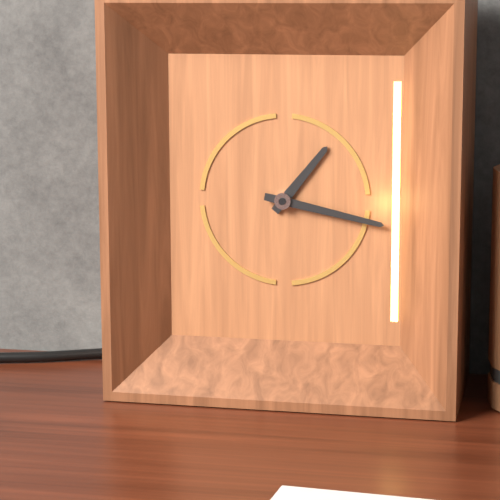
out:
{"hour": 1, "minute": 17}
